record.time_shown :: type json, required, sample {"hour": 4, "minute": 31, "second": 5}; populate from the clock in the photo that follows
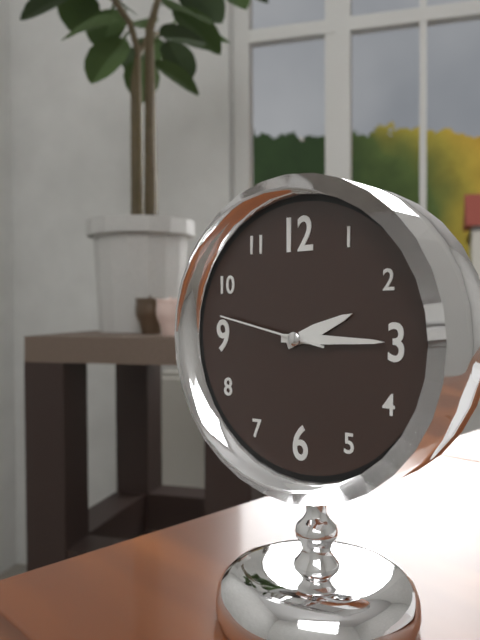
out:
{"hour": 2, "minute": 15, "second": 47}
